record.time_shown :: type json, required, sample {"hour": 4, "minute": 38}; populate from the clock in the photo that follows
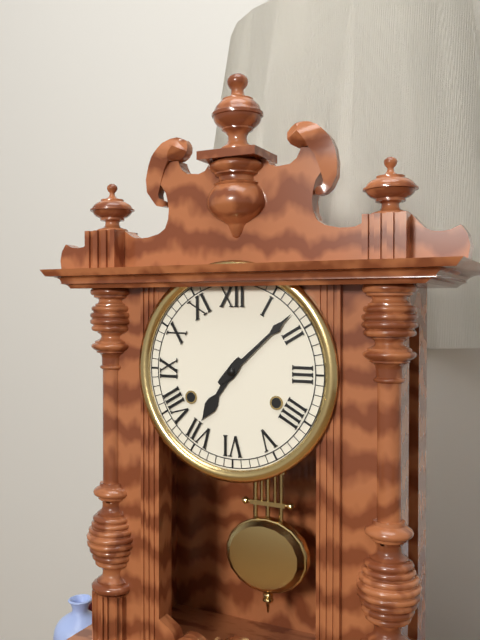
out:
{"hour": 7, "minute": 8}
